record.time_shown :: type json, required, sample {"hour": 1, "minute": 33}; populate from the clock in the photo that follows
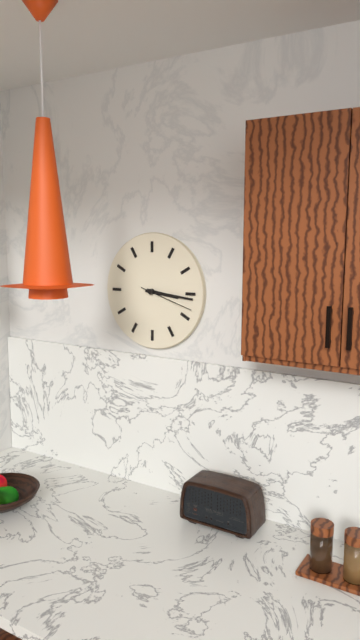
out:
{"hour": 3, "minute": 16}
